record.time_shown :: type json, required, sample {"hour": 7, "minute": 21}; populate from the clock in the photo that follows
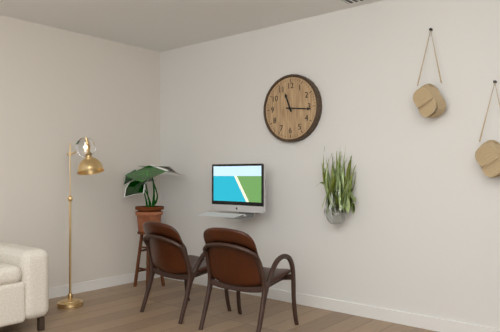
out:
{"hour": 11, "minute": 16}
